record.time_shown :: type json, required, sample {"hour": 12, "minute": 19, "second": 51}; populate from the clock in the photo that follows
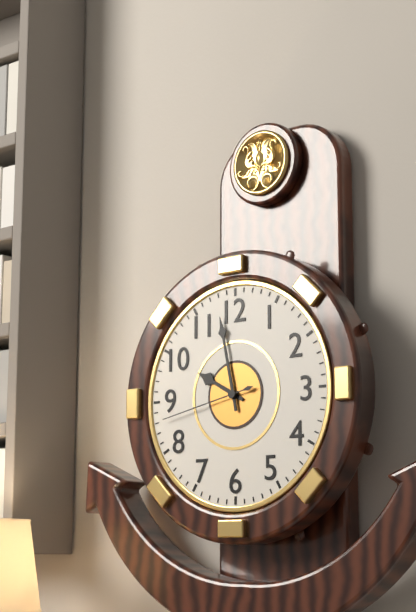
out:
{"hour": 9, "minute": 58, "second": 43}
